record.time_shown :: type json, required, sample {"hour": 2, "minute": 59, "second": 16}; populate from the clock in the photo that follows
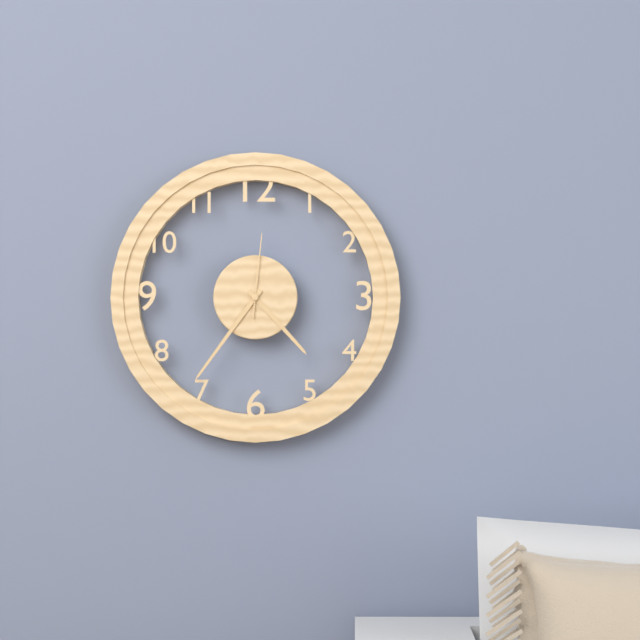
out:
{"hour": 4, "minute": 36, "second": 1}
